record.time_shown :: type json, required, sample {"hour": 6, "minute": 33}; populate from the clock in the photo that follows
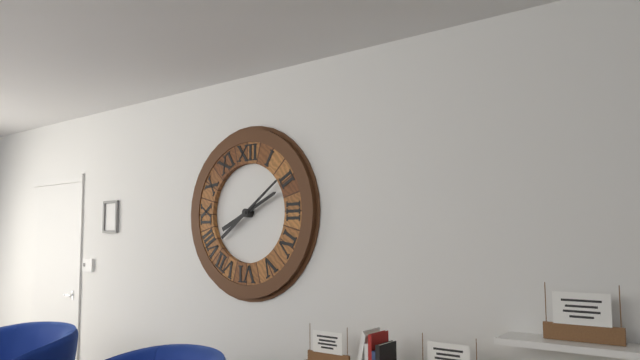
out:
{"hour": 2, "minute": 9}
